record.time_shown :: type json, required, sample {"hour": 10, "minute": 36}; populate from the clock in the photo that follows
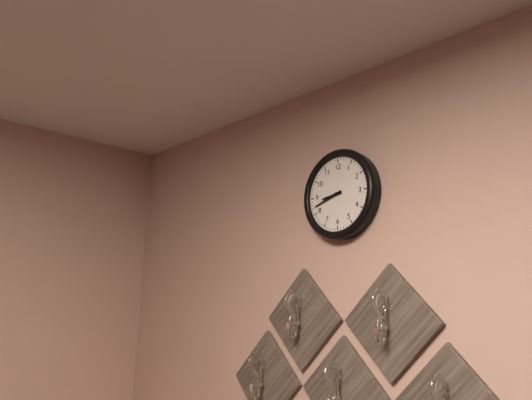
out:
{"hour": 8, "minute": 42}
